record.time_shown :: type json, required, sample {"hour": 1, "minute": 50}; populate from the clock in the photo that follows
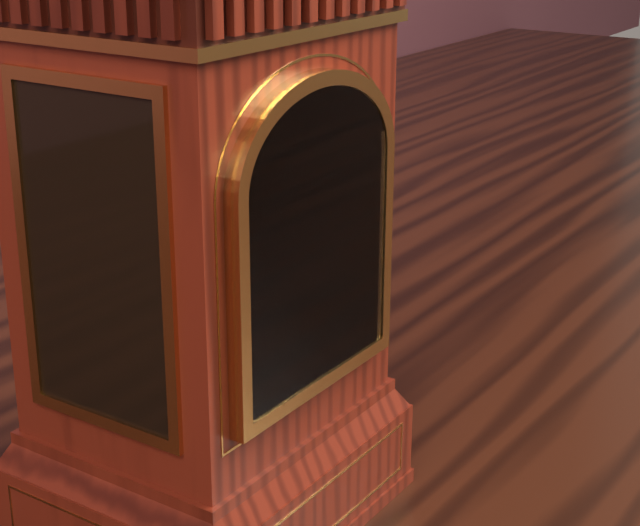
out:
{"hour": 11, "minute": 10}
